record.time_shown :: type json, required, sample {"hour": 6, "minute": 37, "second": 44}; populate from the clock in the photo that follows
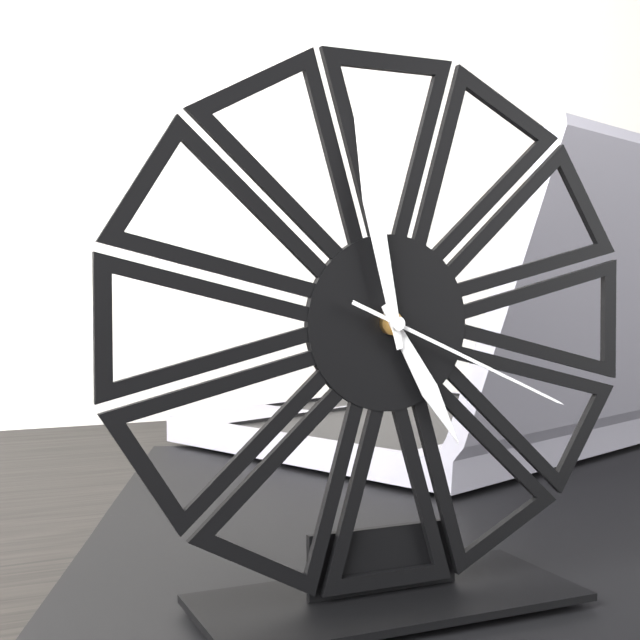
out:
{"hour": 4, "minute": 58, "second": 19}
